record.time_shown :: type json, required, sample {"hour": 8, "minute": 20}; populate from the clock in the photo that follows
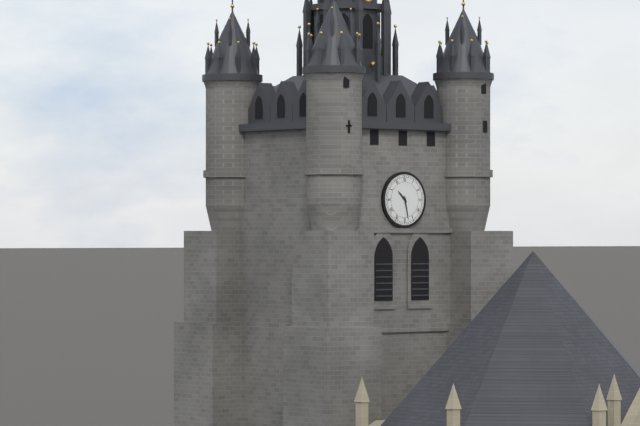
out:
{"hour": 10, "minute": 28}
